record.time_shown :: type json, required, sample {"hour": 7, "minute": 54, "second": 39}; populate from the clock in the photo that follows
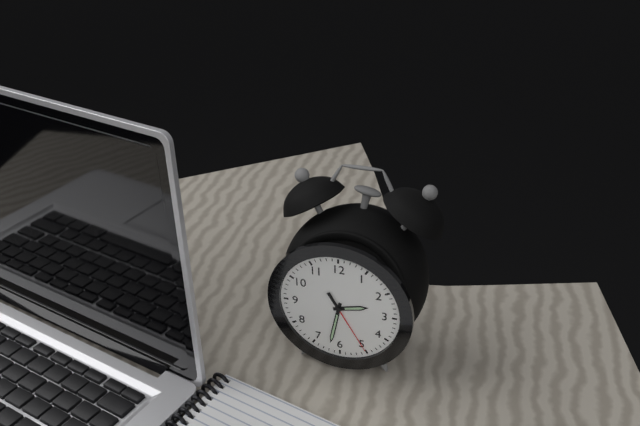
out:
{"hour": 2, "minute": 32, "second": 25}
